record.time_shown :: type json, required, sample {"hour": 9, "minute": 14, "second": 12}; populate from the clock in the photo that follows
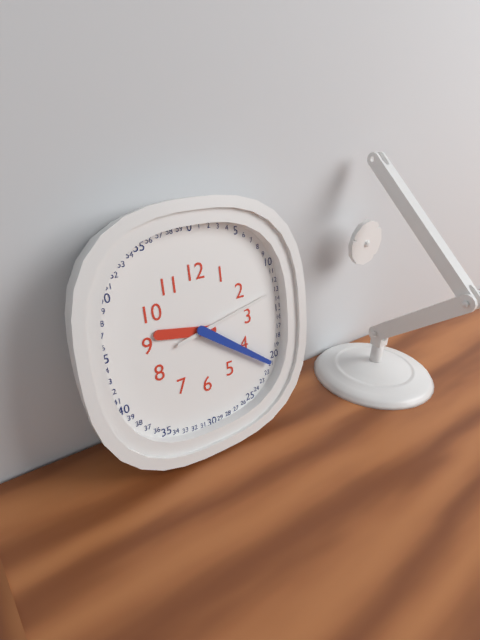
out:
{"hour": 9, "minute": 21, "second": 13}
